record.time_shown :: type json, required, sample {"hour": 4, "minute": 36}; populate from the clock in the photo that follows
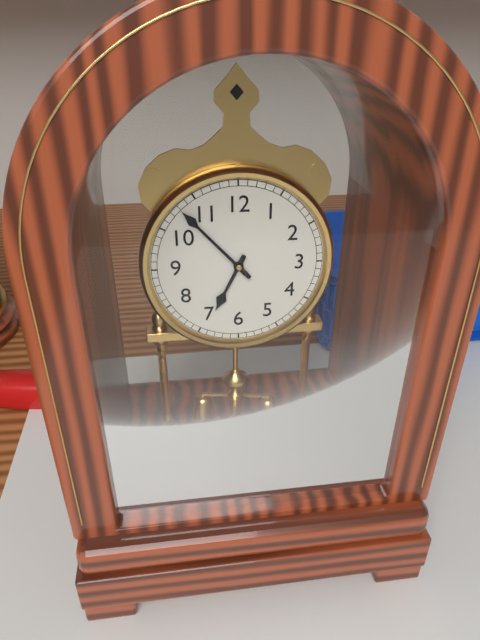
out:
{"hour": 6, "minute": 53}
